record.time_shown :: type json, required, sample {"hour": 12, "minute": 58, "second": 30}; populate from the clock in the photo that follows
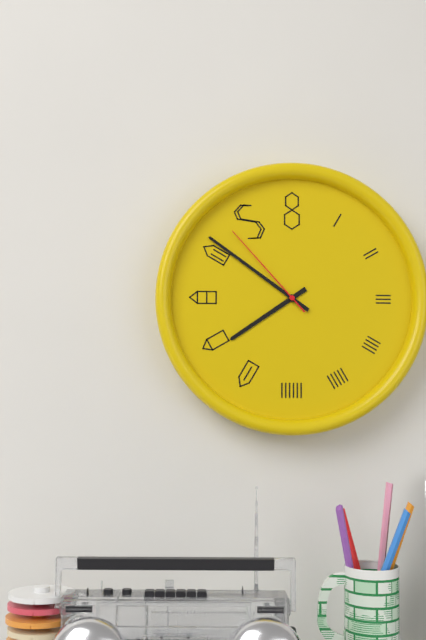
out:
{"hour": 7, "minute": 51, "second": 53}
